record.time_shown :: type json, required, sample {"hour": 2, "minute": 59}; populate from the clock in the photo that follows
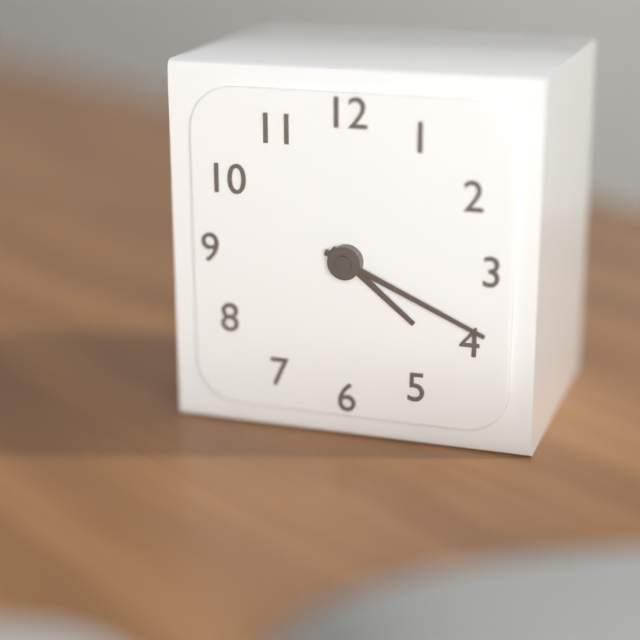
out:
{"hour": 4, "minute": 19}
